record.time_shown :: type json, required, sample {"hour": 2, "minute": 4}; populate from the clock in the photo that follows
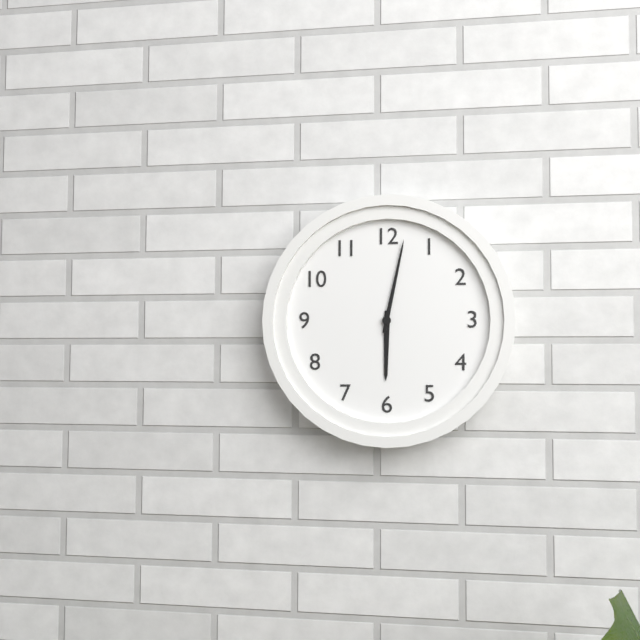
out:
{"hour": 6, "minute": 2}
